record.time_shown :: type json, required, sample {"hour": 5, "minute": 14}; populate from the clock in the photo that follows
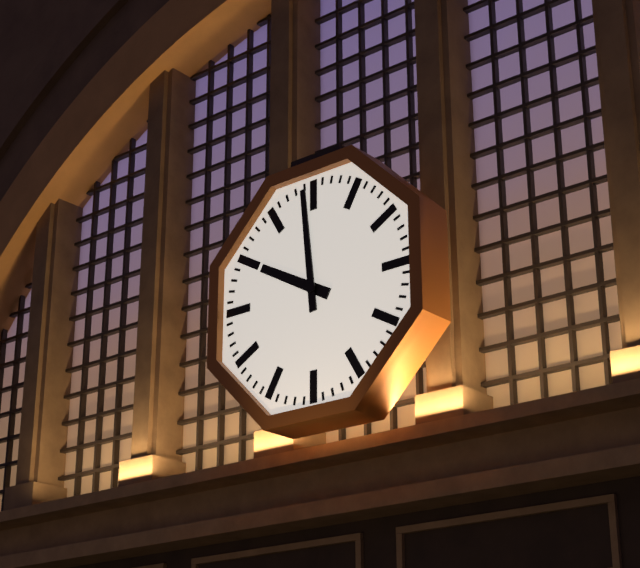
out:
{"hour": 9, "minute": 59}
